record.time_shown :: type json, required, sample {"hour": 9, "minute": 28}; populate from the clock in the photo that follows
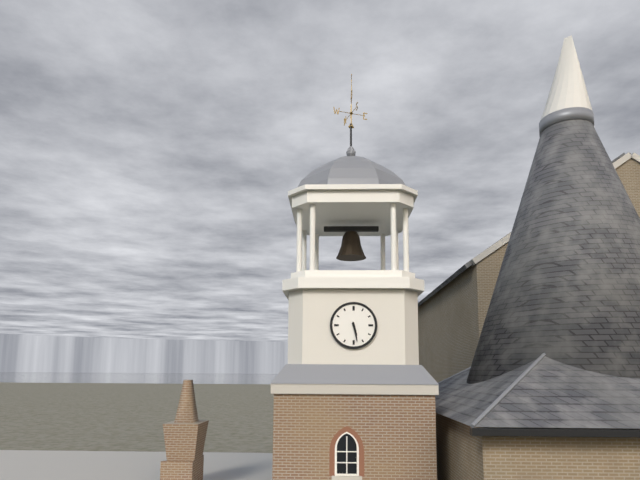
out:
{"hour": 5, "minute": 28}
